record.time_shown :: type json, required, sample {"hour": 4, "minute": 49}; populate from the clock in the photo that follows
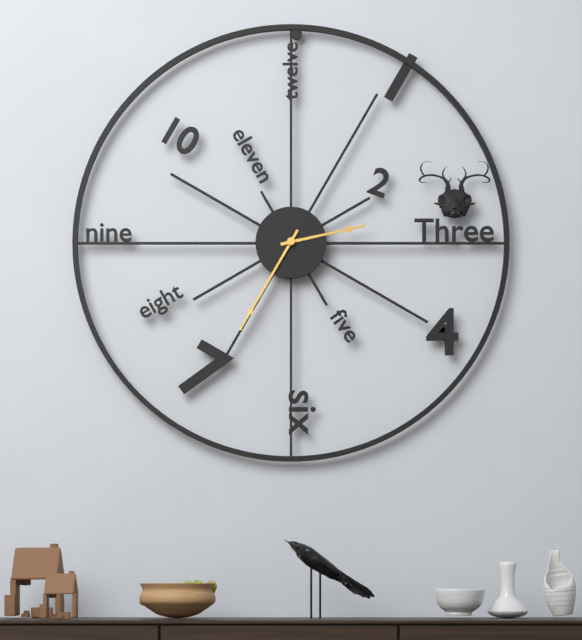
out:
{"hour": 2, "minute": 35}
